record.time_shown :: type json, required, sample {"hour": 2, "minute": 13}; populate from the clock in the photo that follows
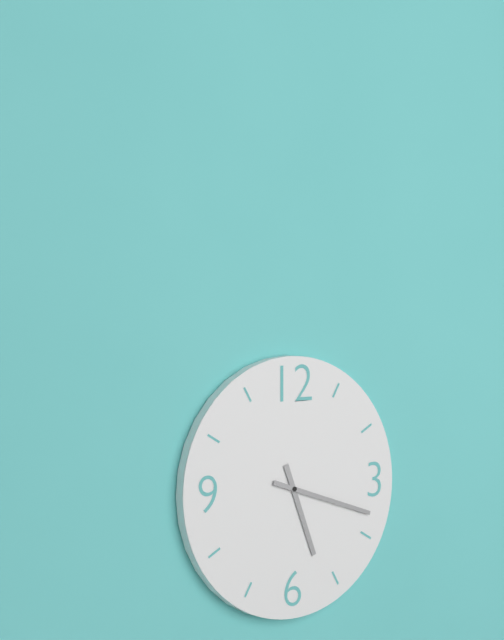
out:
{"hour": 5, "minute": 18}
